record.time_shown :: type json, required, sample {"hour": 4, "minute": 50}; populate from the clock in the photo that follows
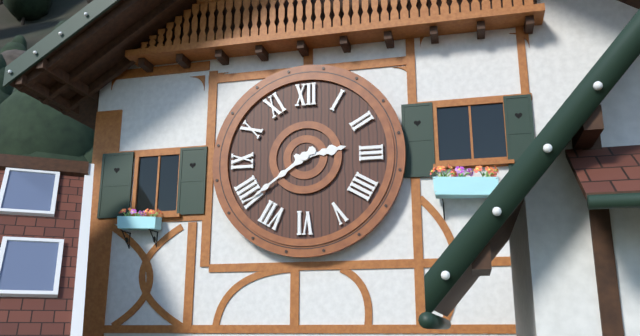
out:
{"hour": 2, "minute": 39}
